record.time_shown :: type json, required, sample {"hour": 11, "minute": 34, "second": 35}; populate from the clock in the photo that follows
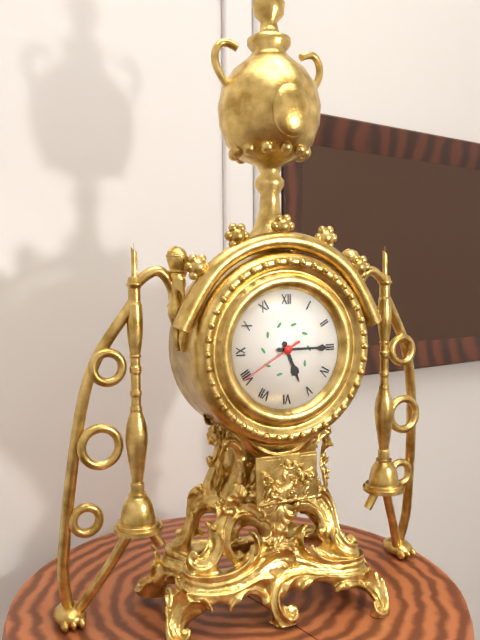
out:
{"hour": 5, "minute": 15, "second": 40}
